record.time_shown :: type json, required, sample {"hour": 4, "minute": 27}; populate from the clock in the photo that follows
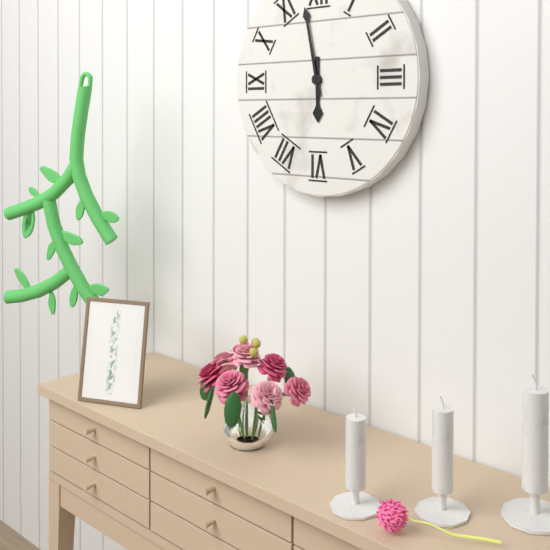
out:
{"hour": 5, "minute": 58}
